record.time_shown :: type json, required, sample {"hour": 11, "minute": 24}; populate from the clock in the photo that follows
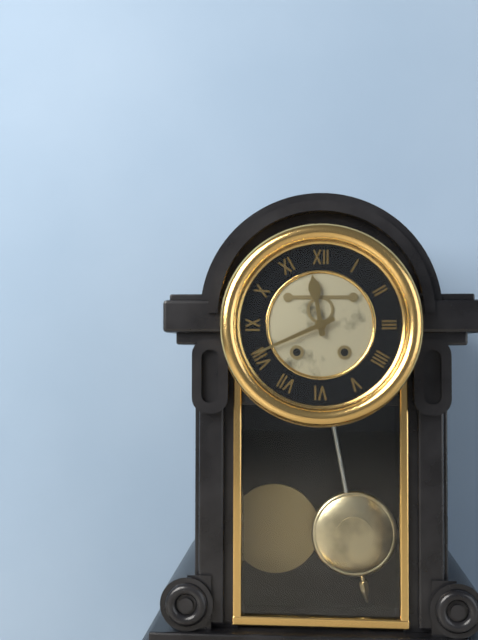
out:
{"hour": 11, "minute": 41}
